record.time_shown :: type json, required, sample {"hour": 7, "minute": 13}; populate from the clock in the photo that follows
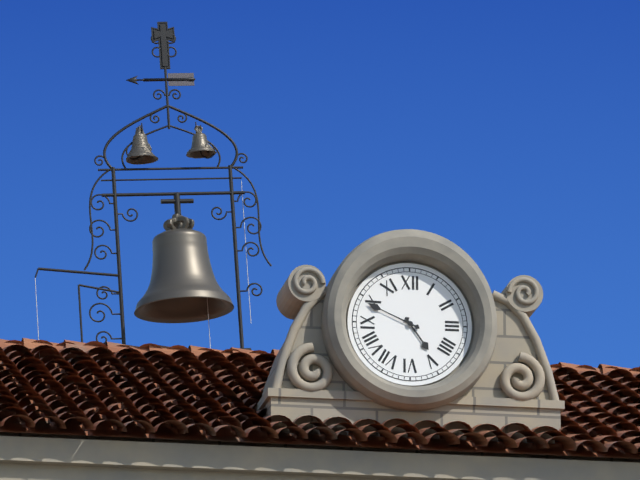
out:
{"hour": 4, "minute": 49}
